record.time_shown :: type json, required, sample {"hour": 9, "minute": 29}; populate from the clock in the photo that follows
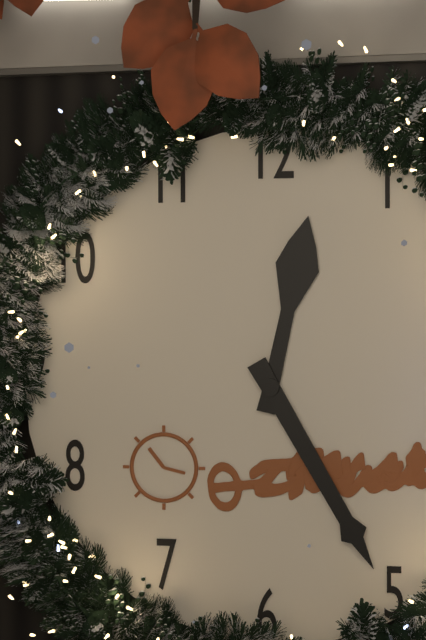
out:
{"hour": 12, "minute": 25}
